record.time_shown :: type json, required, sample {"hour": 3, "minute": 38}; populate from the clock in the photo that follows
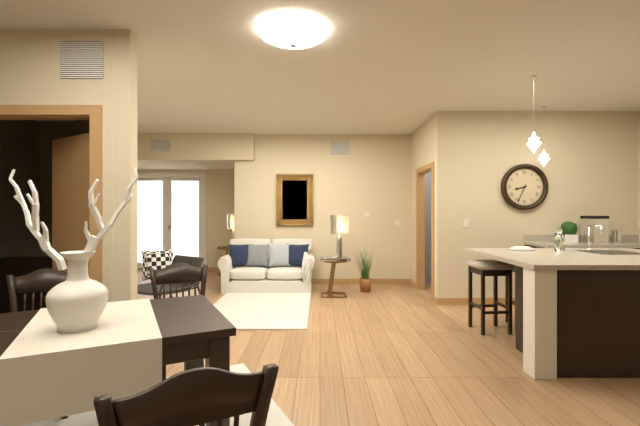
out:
{"hour": 8, "minute": 34}
